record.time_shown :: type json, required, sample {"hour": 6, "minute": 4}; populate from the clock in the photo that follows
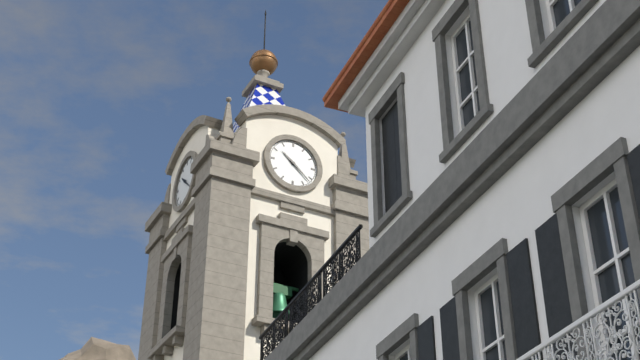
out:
{"hour": 10, "minute": 22}
